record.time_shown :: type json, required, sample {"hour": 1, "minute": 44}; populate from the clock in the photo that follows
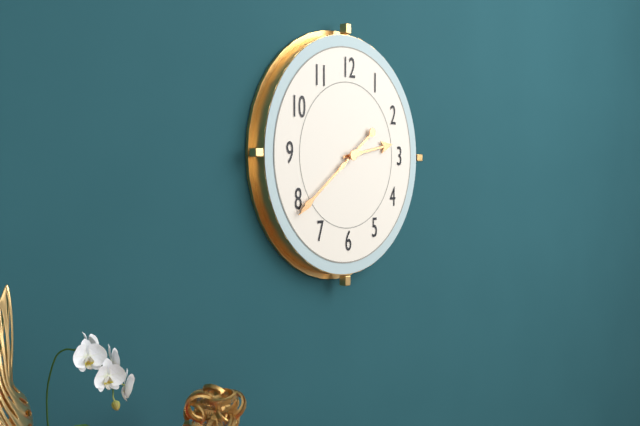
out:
{"hour": 2, "minute": 39}
